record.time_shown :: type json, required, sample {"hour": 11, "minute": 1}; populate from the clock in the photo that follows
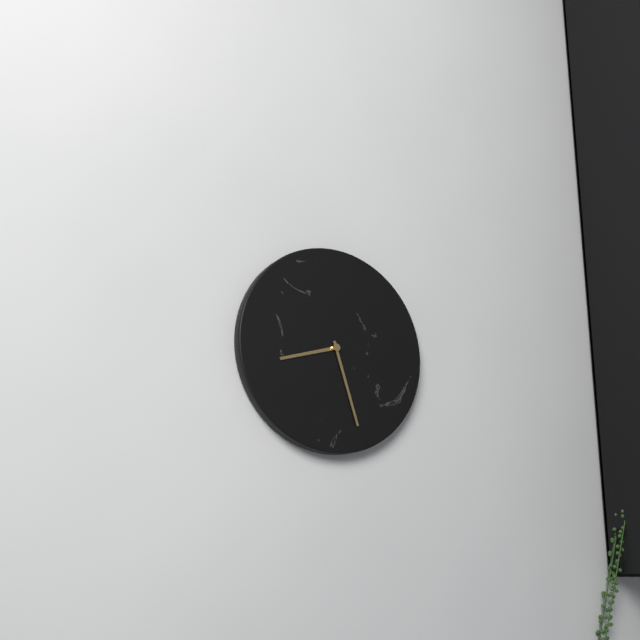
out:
{"hour": 8, "minute": 27}
